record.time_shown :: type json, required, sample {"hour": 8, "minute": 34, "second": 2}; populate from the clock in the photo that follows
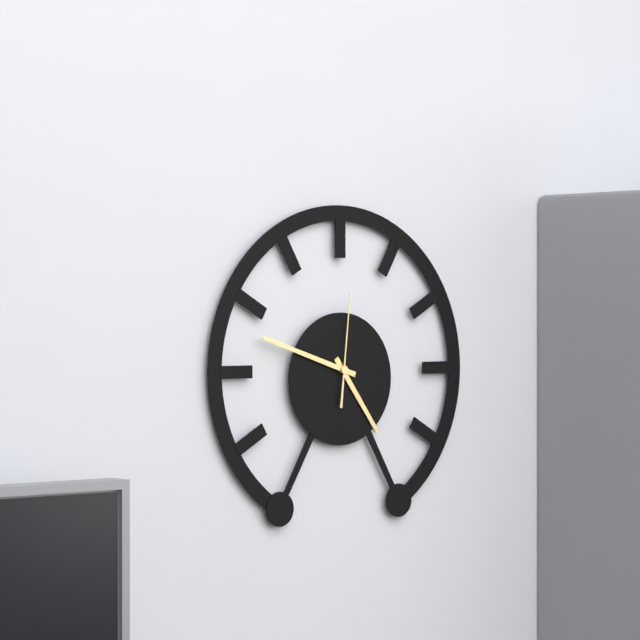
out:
{"hour": 4, "minute": 48, "second": 1}
